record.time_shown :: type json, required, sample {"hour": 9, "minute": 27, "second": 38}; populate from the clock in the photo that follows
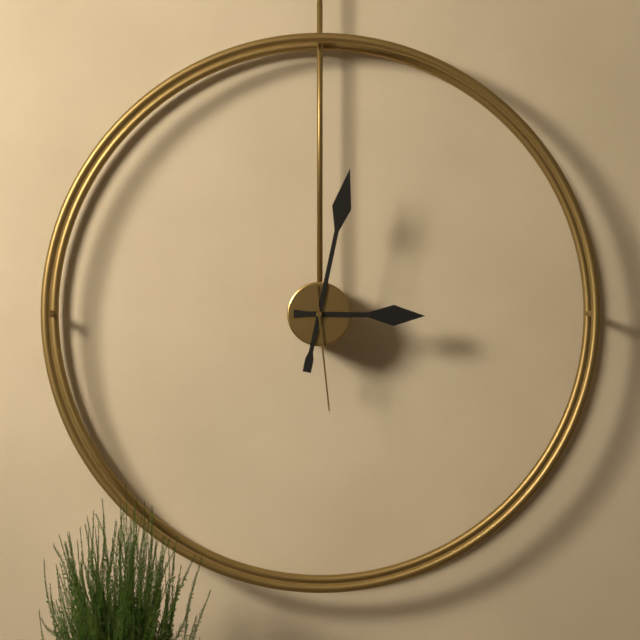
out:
{"hour": 3, "minute": 2, "second": 29}
